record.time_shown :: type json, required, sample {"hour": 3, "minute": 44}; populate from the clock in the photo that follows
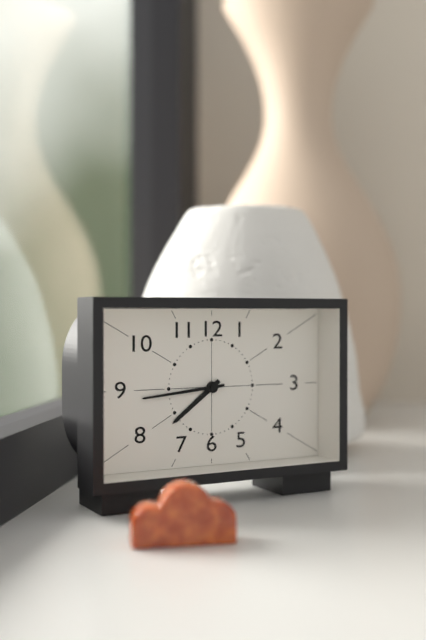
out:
{"hour": 7, "minute": 44}
